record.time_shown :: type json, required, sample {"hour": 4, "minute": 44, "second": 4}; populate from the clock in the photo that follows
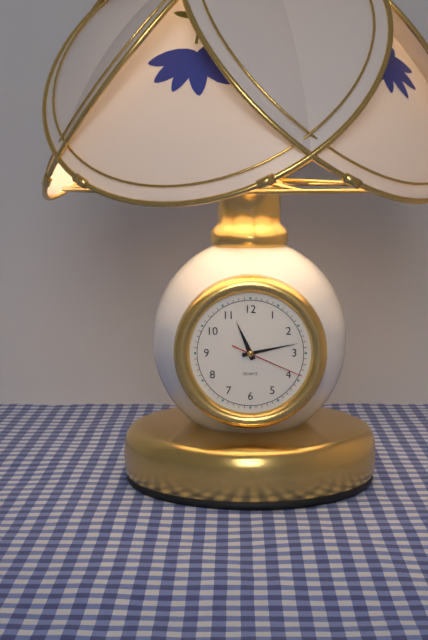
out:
{"hour": 11, "minute": 13, "second": 19}
